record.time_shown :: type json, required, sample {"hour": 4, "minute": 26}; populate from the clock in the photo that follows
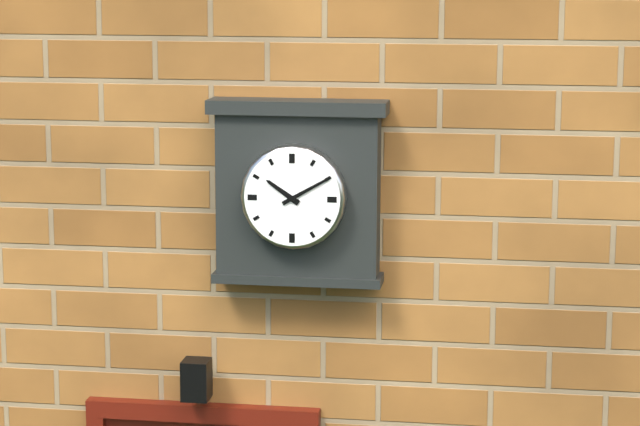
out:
{"hour": 10, "minute": 10}
